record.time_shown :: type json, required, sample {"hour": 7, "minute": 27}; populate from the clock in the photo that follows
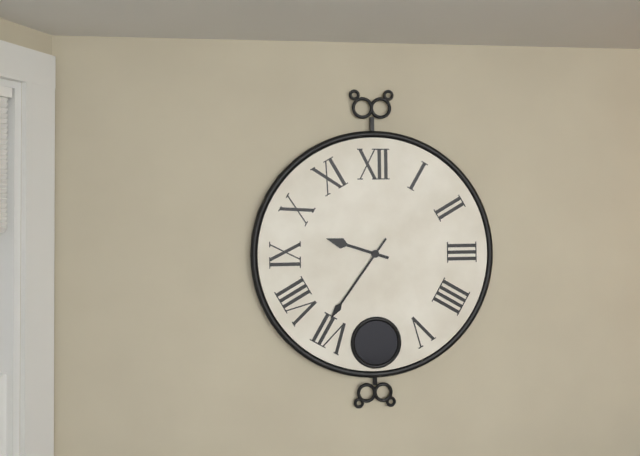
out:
{"hour": 9, "minute": 36}
